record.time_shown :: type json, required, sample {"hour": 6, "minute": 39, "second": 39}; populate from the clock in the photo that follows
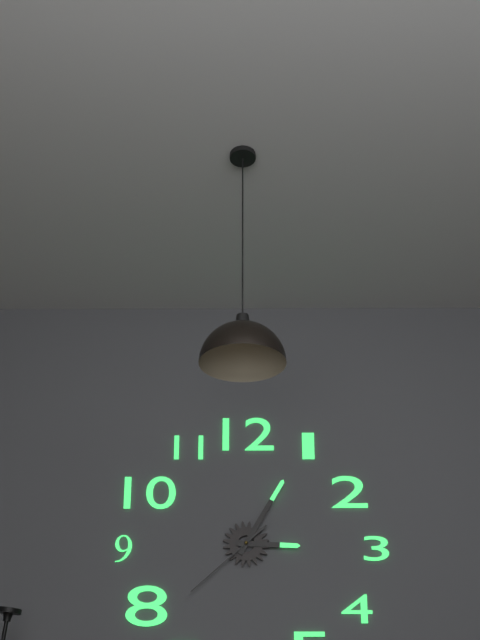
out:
{"hour": 3, "minute": 5, "second": 38}
